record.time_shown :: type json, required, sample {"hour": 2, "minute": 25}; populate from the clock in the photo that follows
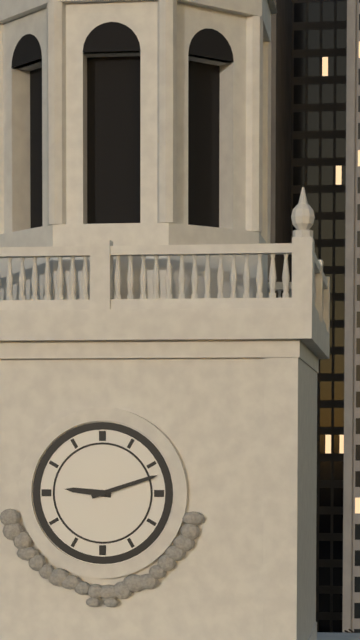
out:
{"hour": 9, "minute": 12}
